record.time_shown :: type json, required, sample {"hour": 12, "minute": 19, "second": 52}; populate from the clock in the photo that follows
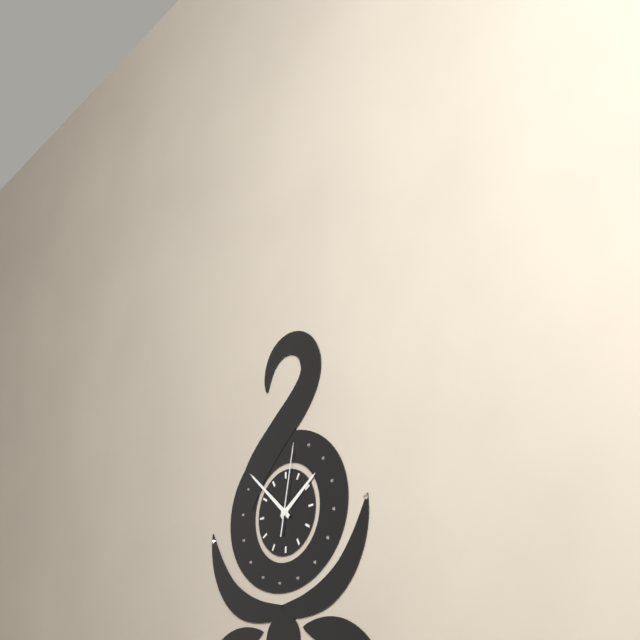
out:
{"hour": 1, "minute": 52, "second": 2}
